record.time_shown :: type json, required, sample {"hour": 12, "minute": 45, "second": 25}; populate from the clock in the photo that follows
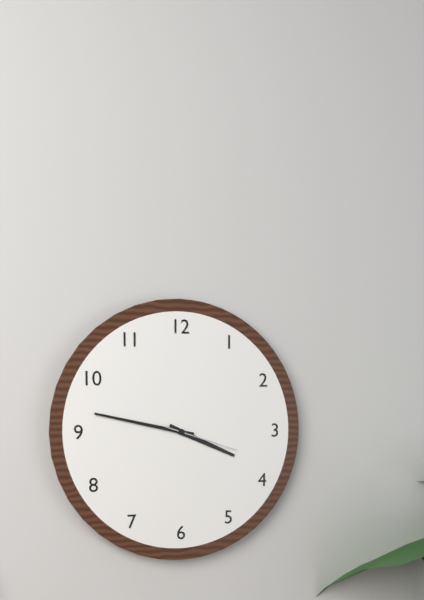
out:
{"hour": 3, "minute": 47, "second": 18}
